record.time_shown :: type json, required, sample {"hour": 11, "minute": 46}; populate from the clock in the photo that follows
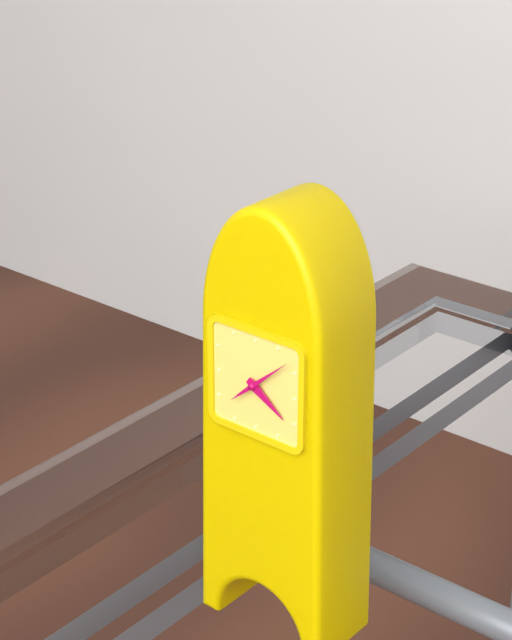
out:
{"hour": 4, "minute": 8}
